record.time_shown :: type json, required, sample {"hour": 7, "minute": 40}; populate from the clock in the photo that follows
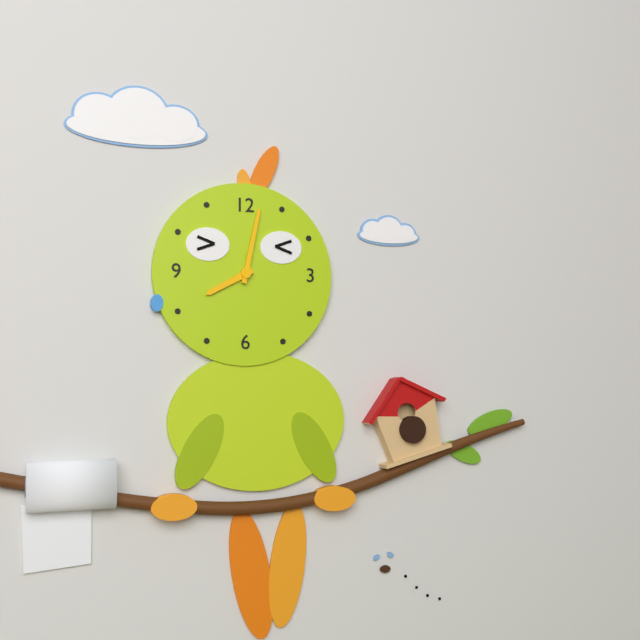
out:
{"hour": 8, "minute": 2}
